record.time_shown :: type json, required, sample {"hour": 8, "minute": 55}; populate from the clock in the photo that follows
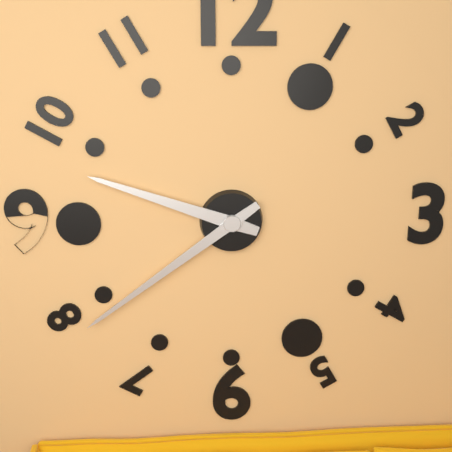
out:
{"hour": 9, "minute": 39}
